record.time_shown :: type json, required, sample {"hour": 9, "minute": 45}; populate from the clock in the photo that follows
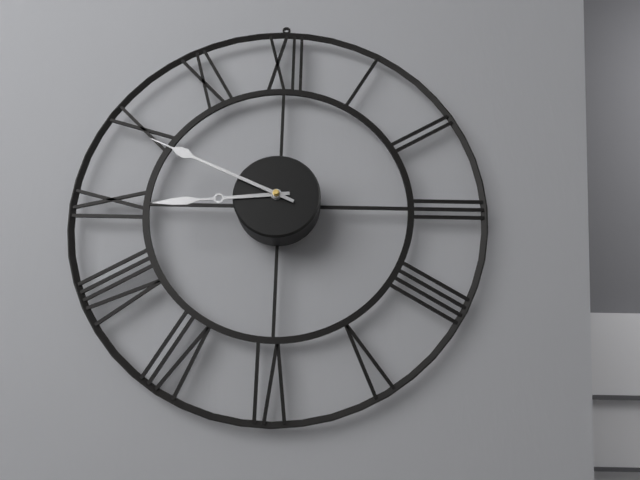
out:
{"hour": 8, "minute": 49}
